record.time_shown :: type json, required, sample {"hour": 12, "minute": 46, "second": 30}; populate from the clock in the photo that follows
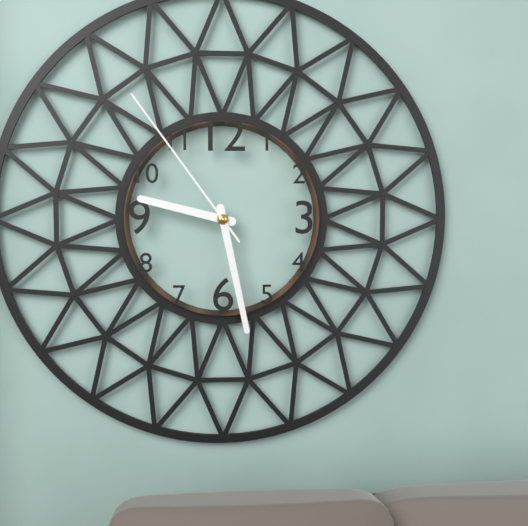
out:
{"hour": 9, "minute": 28, "second": 54}
